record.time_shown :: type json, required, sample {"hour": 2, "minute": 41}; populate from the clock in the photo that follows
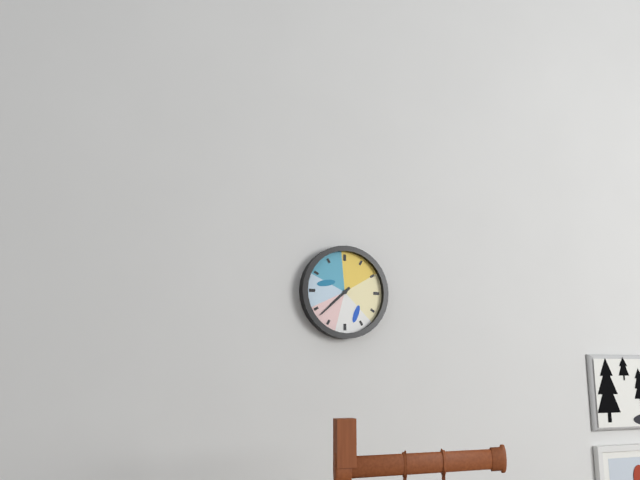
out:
{"hour": 7, "minute": 38}
